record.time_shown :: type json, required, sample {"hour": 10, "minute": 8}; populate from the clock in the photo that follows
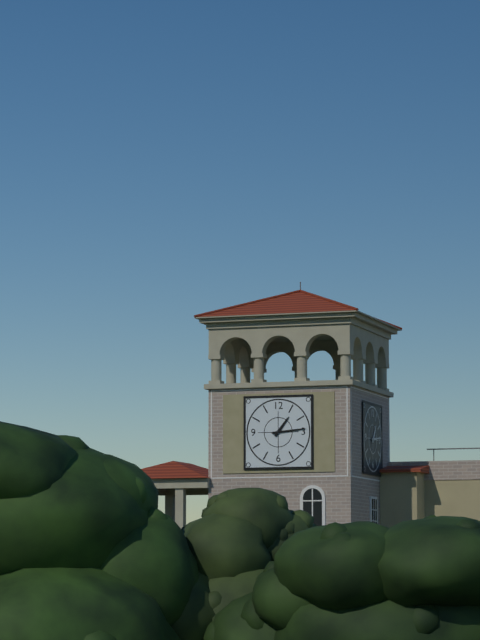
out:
{"hour": 1, "minute": 14}
